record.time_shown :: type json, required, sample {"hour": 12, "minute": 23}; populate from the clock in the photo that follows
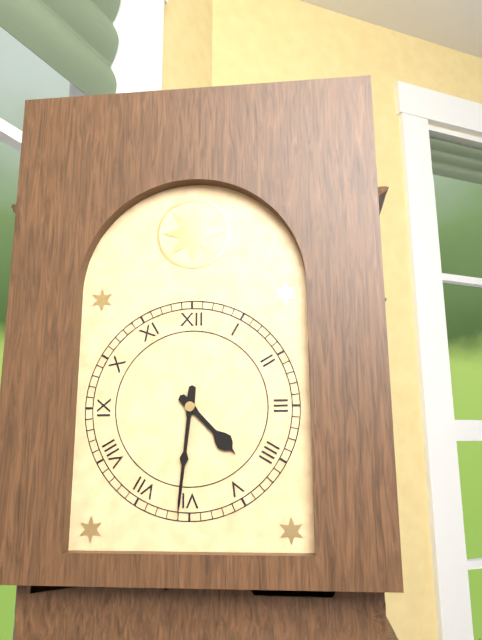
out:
{"hour": 4, "minute": 31}
